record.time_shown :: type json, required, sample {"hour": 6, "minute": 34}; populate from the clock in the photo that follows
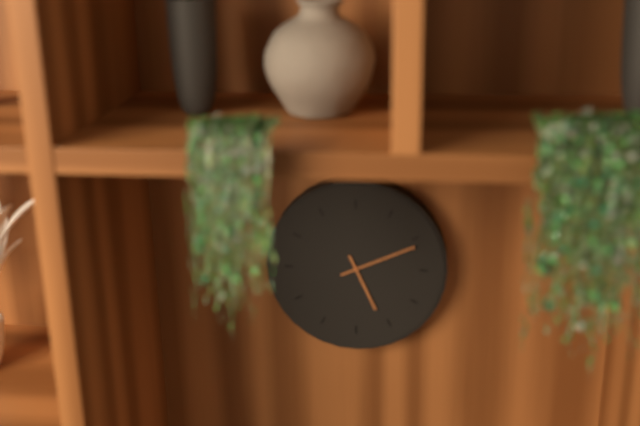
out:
{"hour": 5, "minute": 11}
